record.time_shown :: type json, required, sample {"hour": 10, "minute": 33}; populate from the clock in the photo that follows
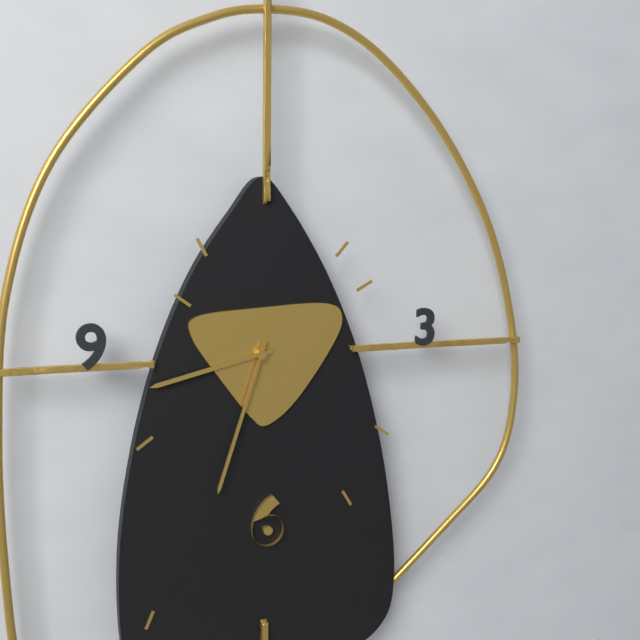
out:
{"hour": 8, "minute": 33}
